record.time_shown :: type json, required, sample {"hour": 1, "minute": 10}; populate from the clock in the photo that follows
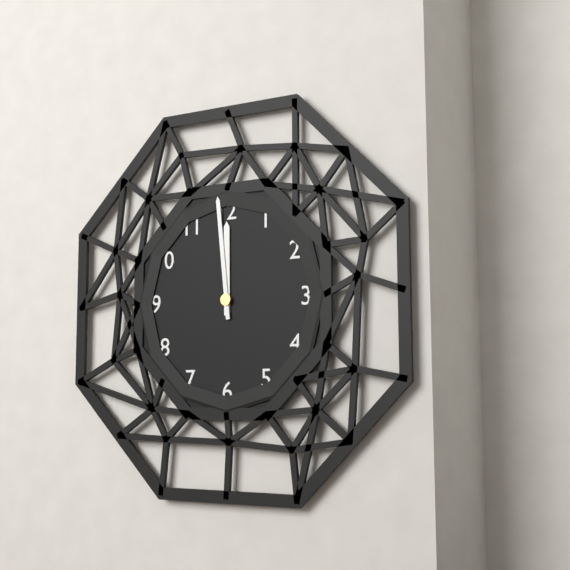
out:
{"hour": 11, "minute": 59}
